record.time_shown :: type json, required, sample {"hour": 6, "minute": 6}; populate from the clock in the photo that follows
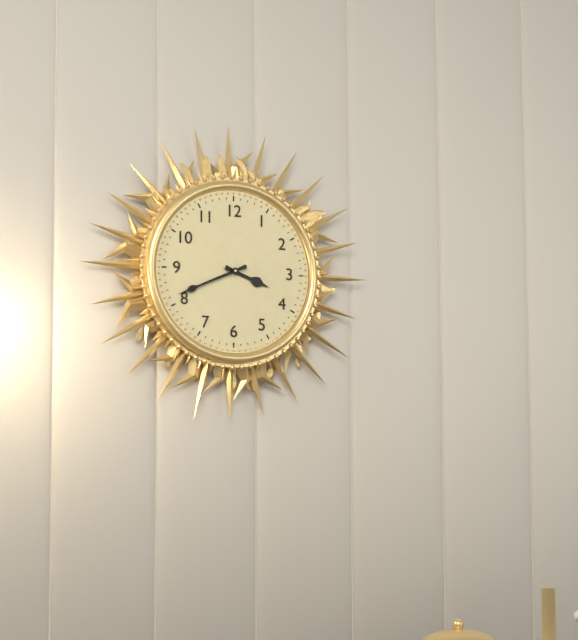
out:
{"hour": 3, "minute": 41}
